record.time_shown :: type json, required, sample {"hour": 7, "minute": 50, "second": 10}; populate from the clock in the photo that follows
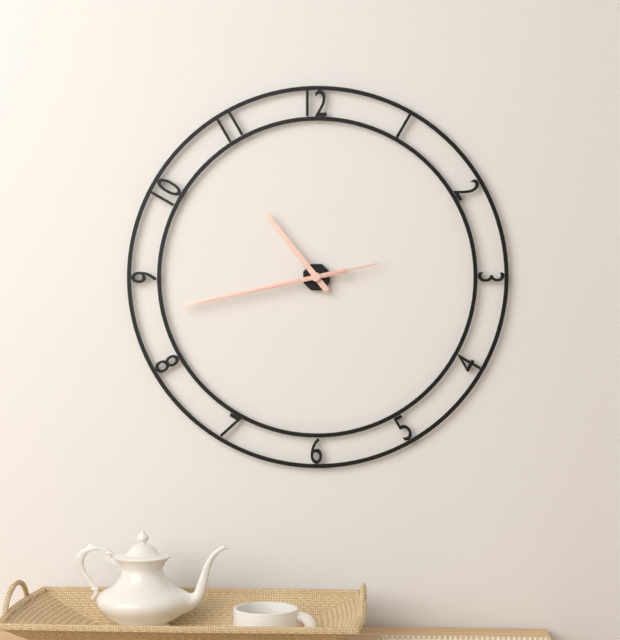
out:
{"hour": 10, "minute": 43, "second": 43}
